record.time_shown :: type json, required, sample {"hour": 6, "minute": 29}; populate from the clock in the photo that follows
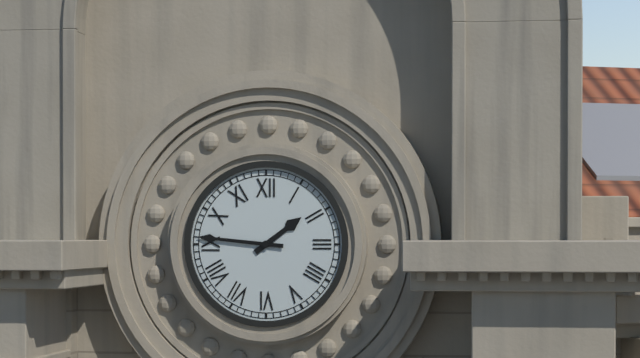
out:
{"hour": 1, "minute": 46}
